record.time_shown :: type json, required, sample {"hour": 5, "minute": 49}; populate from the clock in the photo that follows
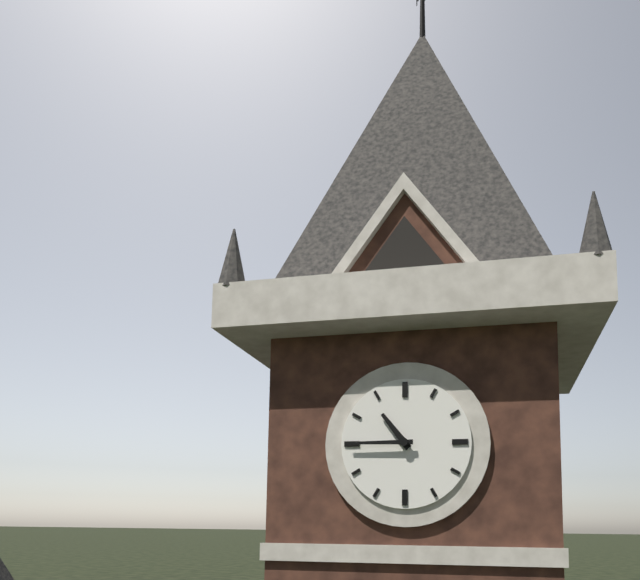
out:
{"hour": 10, "minute": 45}
